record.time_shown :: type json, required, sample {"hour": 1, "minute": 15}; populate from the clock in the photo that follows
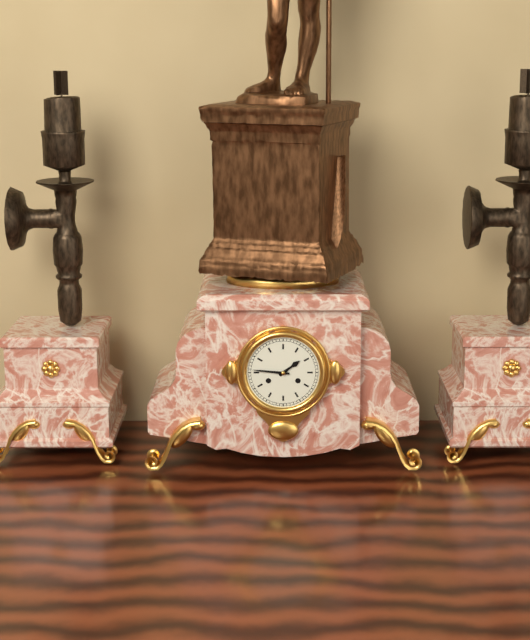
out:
{"hour": 1, "minute": 46}
